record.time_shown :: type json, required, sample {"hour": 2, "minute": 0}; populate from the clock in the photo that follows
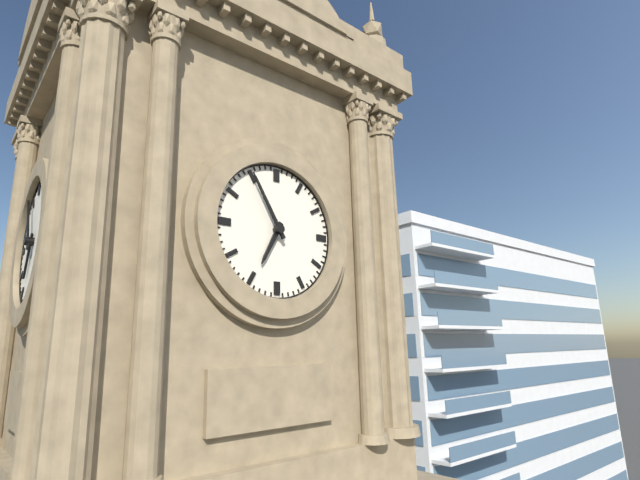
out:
{"hour": 6, "minute": 55}
